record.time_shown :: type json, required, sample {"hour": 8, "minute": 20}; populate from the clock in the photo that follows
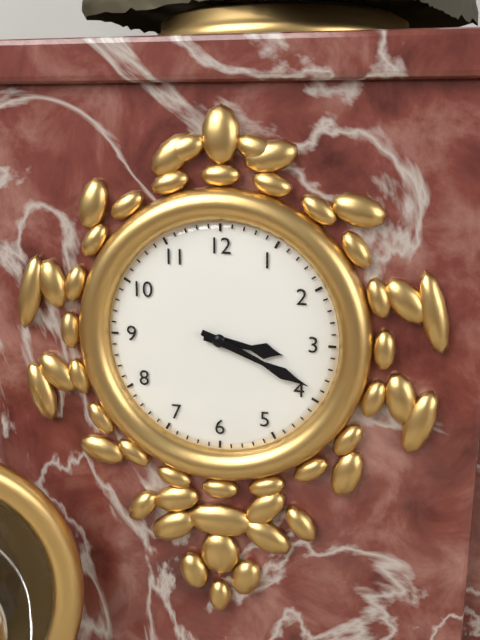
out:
{"hour": 3, "minute": 19}
